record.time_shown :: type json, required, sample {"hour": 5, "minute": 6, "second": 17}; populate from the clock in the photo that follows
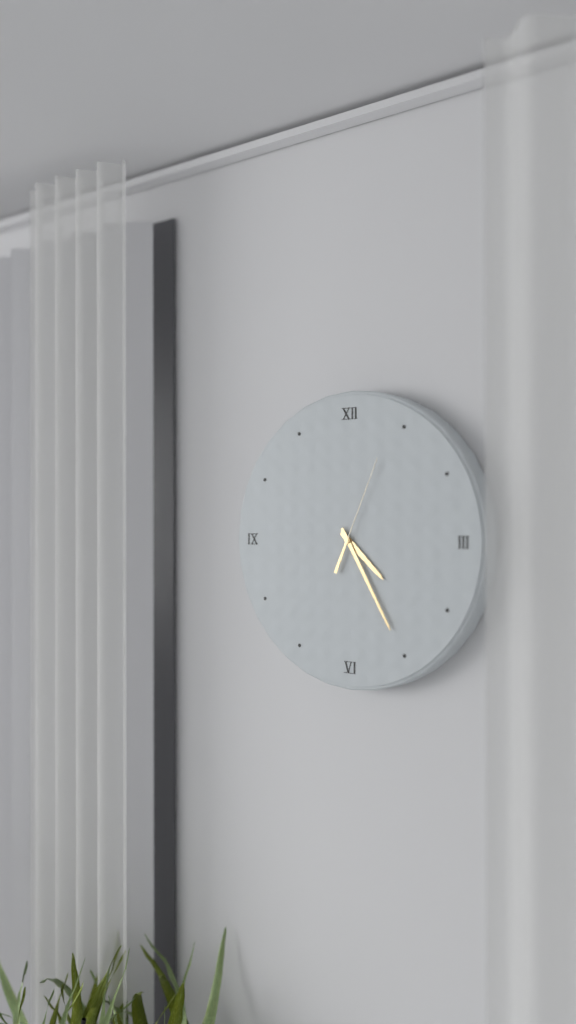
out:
{"hour": 4, "minute": 25, "second": 4}
